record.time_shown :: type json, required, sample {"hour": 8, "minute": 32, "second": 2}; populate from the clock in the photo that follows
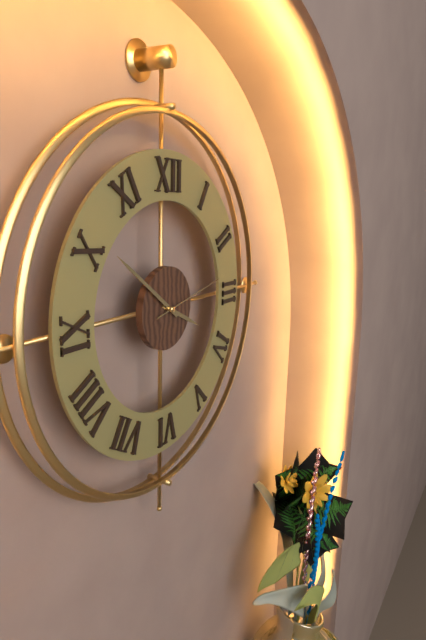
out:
{"hour": 3, "minute": 51, "second": 13}
